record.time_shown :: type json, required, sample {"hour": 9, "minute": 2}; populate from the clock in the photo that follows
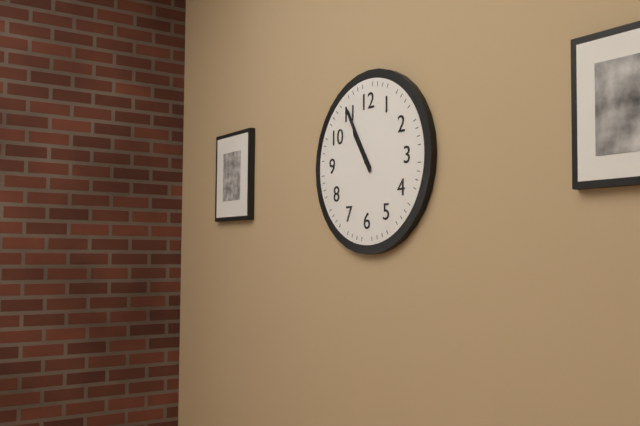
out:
{"hour": 10, "minute": 55}
